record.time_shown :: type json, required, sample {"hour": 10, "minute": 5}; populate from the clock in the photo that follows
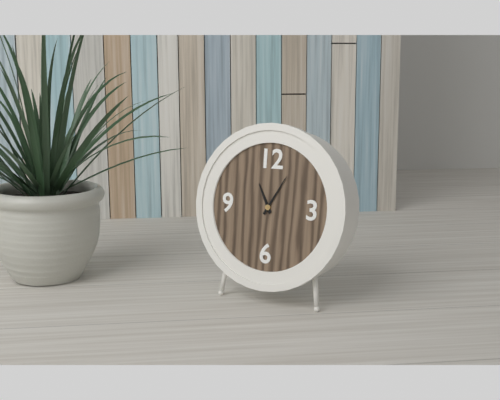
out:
{"hour": 11, "minute": 5}
